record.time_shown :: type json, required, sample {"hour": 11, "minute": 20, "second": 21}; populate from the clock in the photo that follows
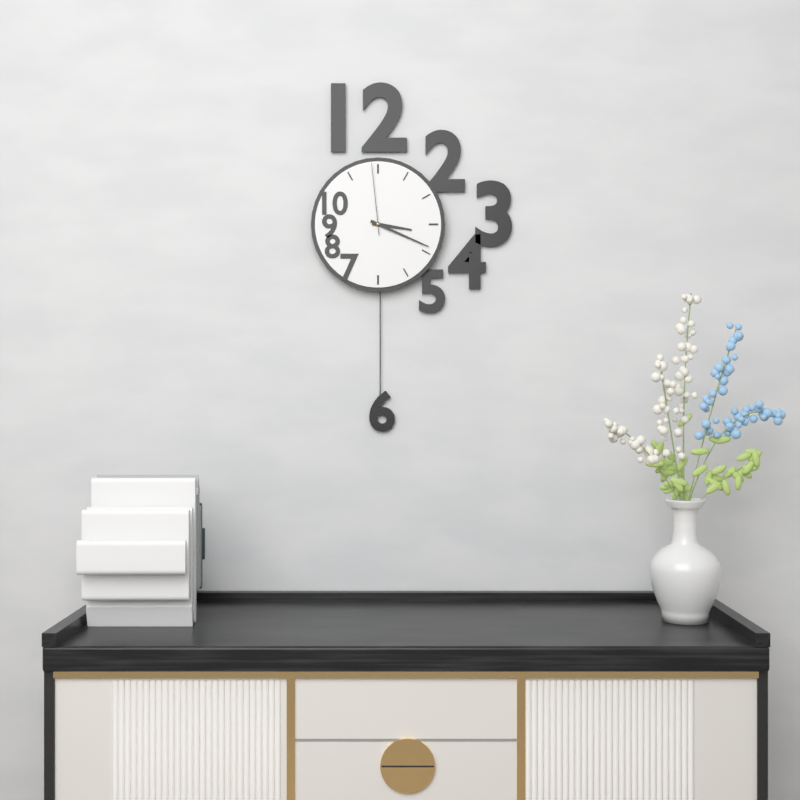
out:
{"hour": 3, "minute": 19, "second": 59}
